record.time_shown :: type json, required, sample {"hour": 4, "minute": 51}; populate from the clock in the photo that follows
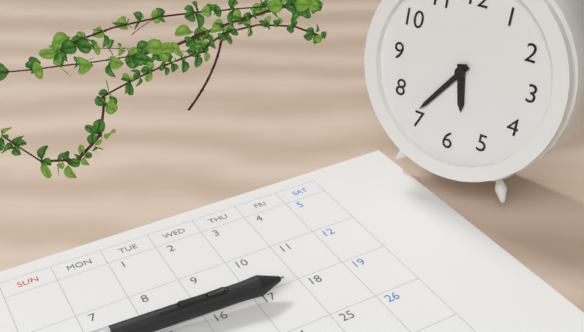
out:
{"hour": 5, "minute": 36}
